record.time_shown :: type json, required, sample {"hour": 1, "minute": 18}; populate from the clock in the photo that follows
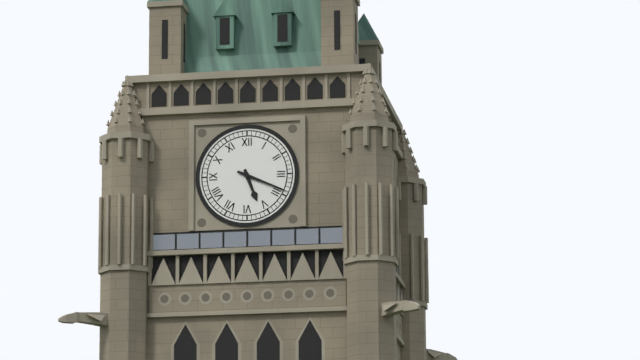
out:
{"hour": 5, "minute": 19}
